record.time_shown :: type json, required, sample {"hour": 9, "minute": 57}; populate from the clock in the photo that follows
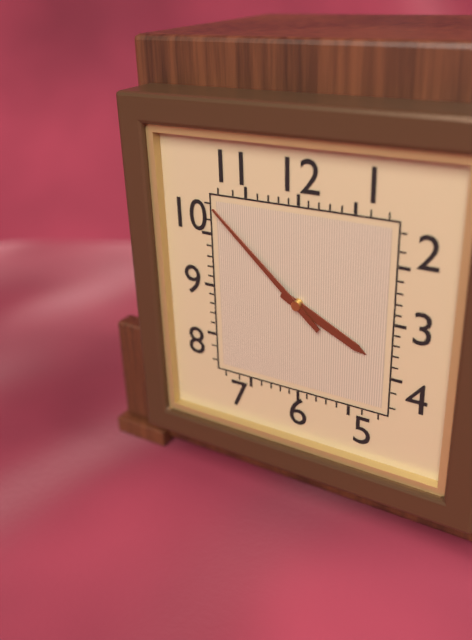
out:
{"hour": 3, "minute": 52}
